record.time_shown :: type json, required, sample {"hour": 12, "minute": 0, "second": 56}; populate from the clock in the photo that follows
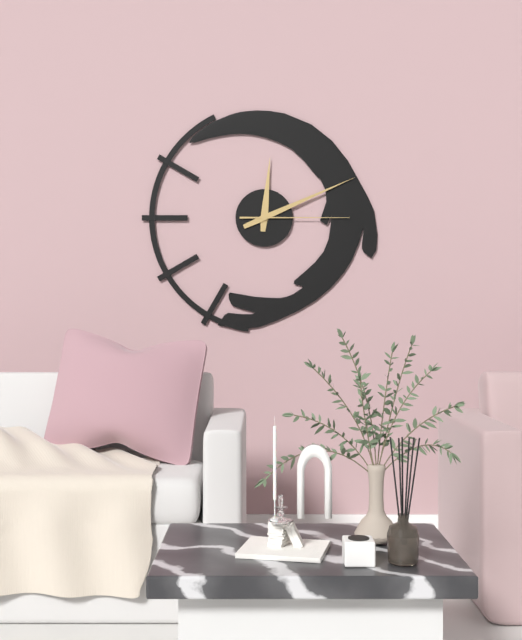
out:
{"hour": 12, "minute": 11, "second": 15}
